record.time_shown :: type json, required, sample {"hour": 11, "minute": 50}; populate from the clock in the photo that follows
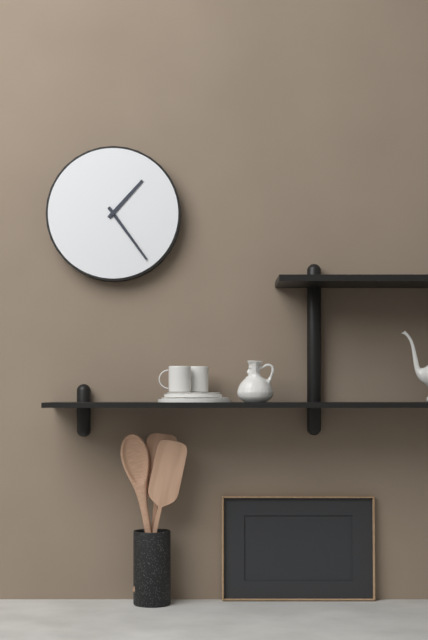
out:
{"hour": 1, "minute": 24}
